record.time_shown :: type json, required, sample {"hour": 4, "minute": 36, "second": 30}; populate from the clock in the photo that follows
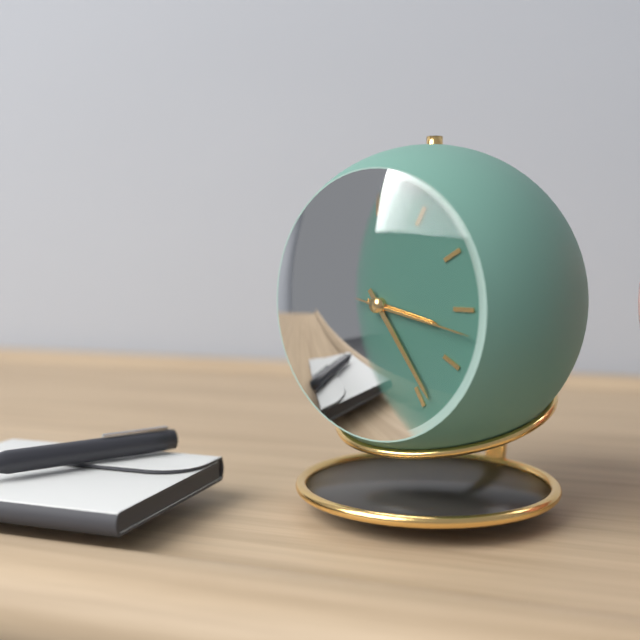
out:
{"hour": 3, "minute": 24, "second": 17}
